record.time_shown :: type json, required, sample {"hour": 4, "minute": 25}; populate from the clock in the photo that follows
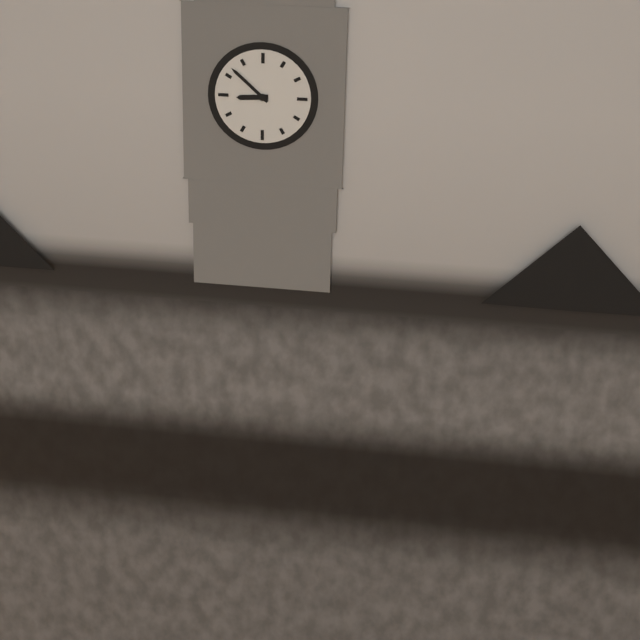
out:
{"hour": 8, "minute": 52}
